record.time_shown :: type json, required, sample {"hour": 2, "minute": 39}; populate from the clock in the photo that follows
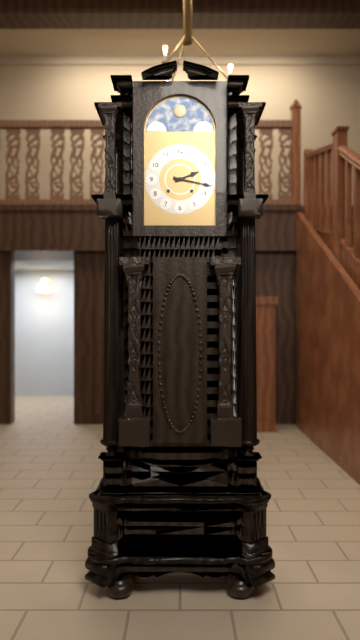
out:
{"hour": 2, "minute": 17}
